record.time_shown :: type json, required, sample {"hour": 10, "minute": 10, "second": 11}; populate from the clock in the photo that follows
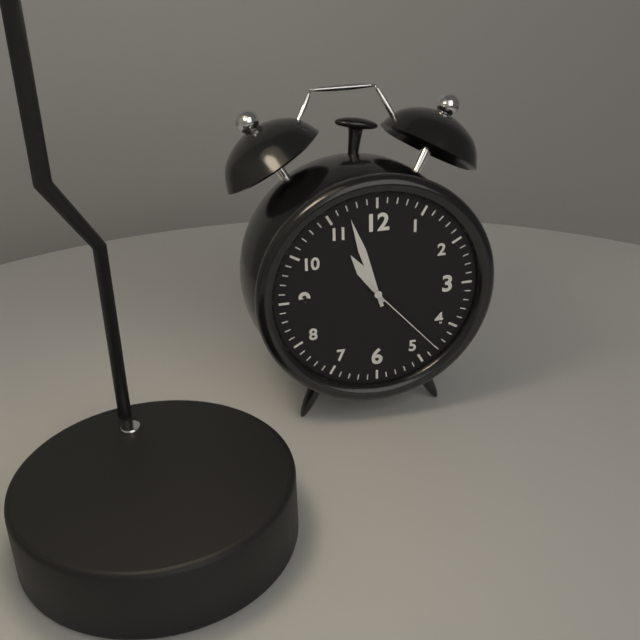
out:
{"hour": 10, "minute": 57, "second": 23}
